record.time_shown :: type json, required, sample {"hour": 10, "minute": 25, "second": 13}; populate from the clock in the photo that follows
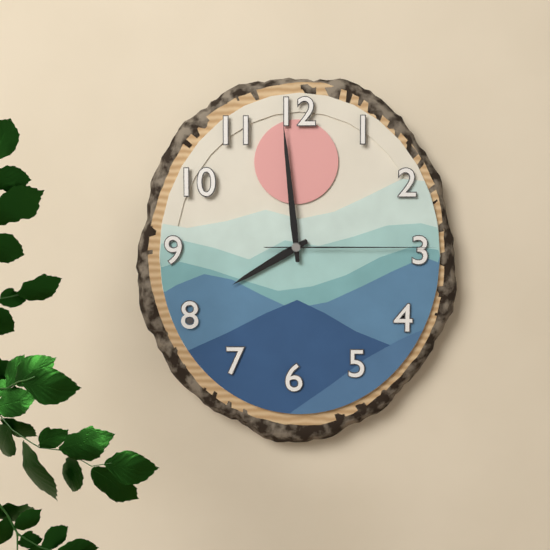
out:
{"hour": 7, "minute": 59, "second": 15}
